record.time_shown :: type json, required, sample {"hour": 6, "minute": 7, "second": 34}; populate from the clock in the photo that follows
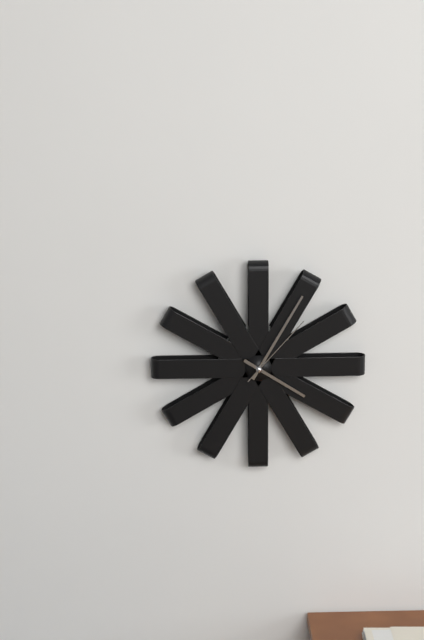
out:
{"hour": 4, "minute": 5, "second": 7}
